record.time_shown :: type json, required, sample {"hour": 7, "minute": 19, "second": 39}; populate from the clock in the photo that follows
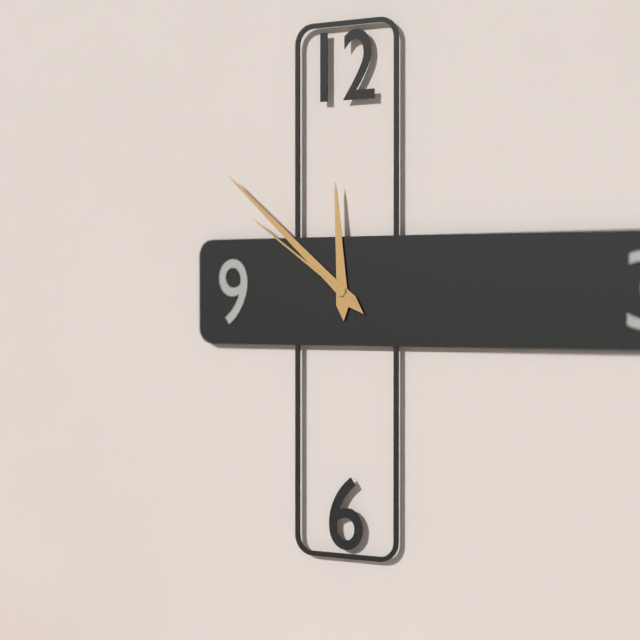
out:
{"hour": 11, "minute": 52, "second": 51}
